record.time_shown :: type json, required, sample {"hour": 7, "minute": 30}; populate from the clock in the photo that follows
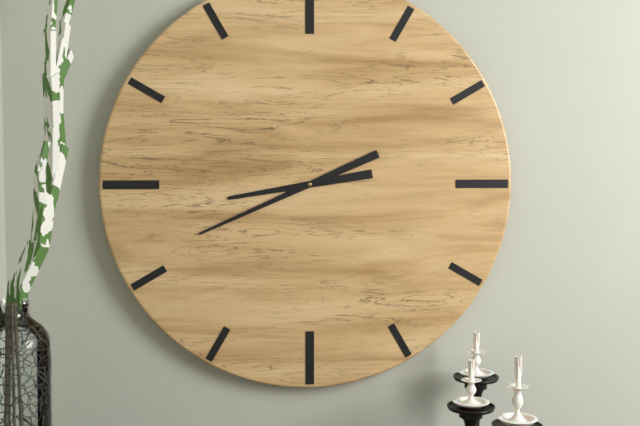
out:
{"hour": 8, "minute": 41}
